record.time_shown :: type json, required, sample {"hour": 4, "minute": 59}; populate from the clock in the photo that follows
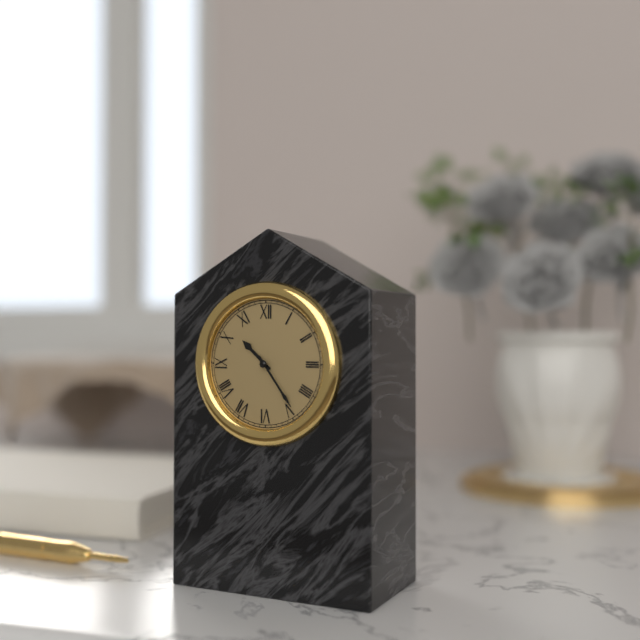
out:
{"hour": 10, "minute": 24}
